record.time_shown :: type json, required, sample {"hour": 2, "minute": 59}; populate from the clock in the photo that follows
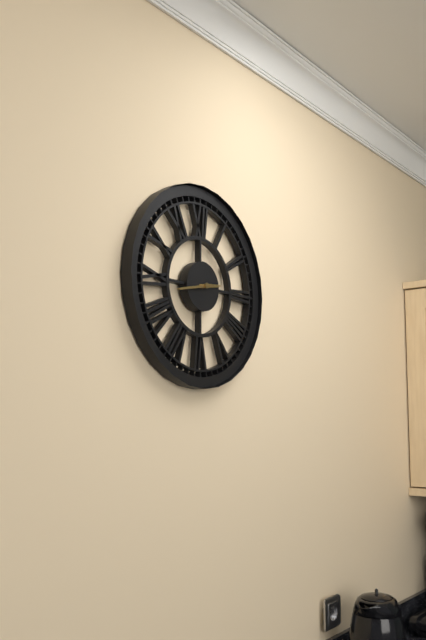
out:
{"hour": 2, "minute": 43}
